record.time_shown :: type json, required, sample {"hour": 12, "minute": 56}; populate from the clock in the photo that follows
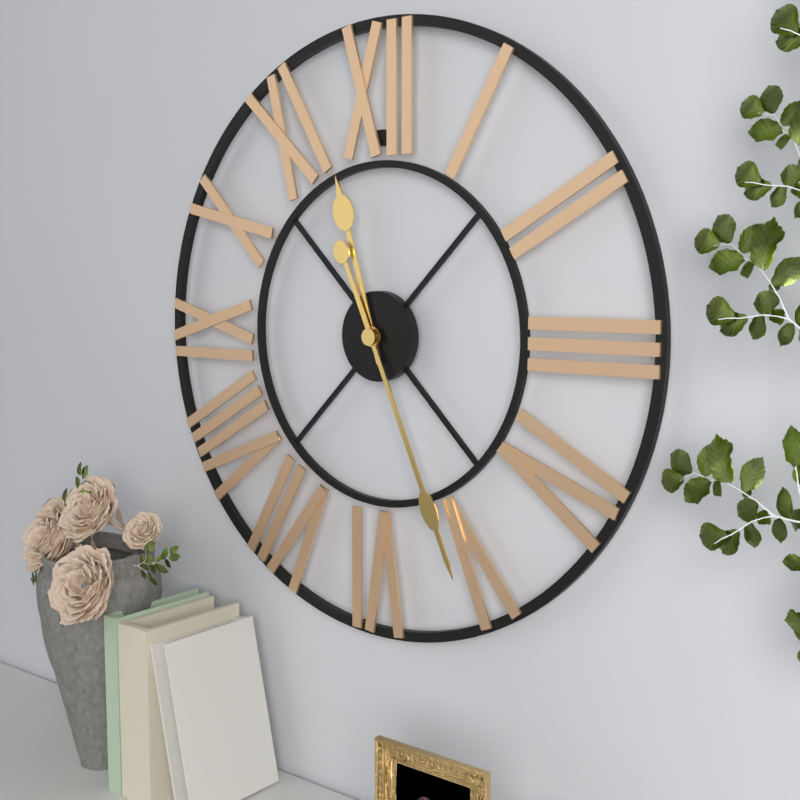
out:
{"hour": 11, "minute": 26}
